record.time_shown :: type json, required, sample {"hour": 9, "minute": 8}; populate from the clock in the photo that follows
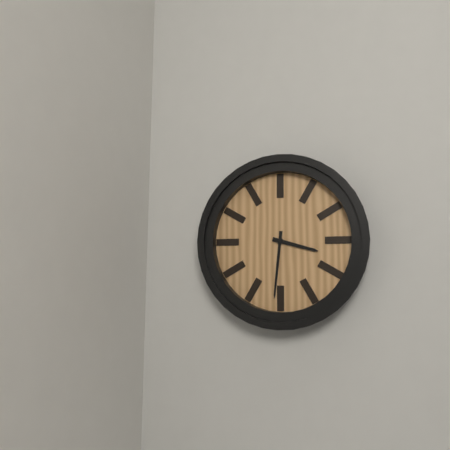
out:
{"hour": 3, "minute": 31}
